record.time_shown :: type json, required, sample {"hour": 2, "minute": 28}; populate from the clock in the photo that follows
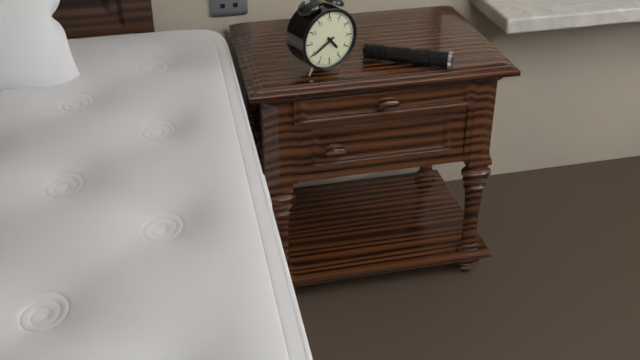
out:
{"hour": 4, "minute": 40}
